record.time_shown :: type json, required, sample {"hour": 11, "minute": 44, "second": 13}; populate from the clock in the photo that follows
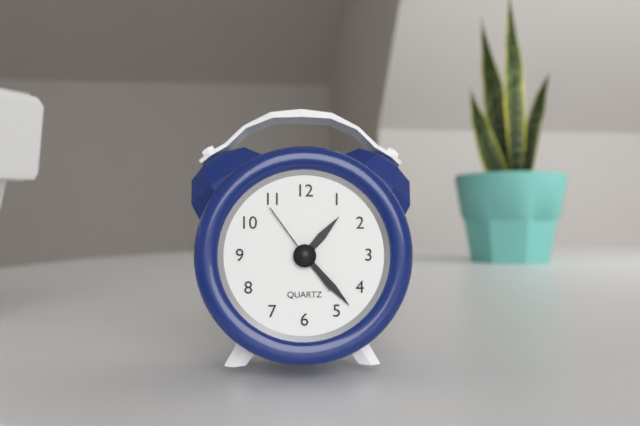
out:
{"hour": 1, "minute": 23, "second": 54}
